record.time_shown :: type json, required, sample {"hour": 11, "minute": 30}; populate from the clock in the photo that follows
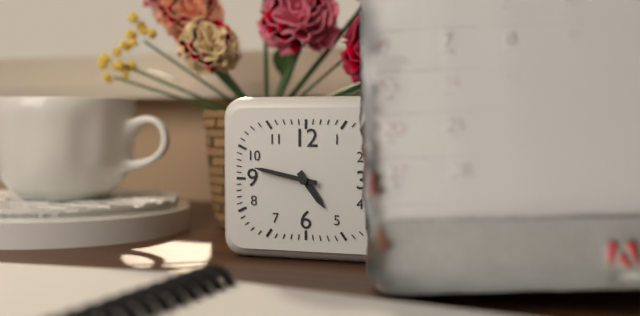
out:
{"hour": 4, "minute": 47}
